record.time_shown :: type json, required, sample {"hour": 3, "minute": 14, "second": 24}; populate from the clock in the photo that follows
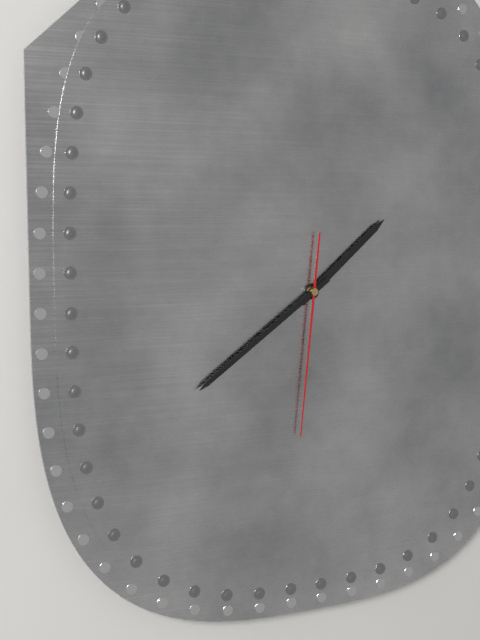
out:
{"hour": 1, "minute": 39, "second": 31}
